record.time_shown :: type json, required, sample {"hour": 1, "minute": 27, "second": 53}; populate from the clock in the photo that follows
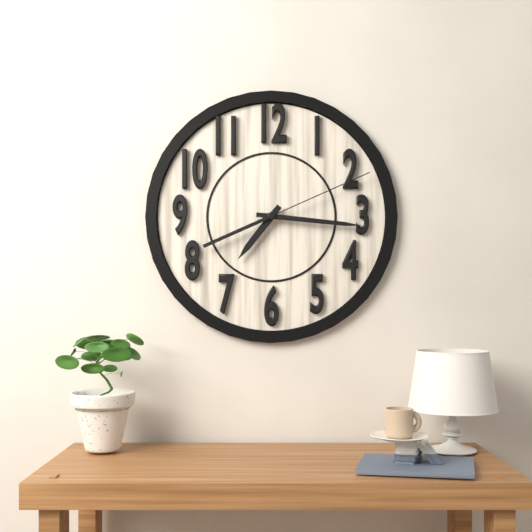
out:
{"hour": 7, "minute": 16, "second": 11}
